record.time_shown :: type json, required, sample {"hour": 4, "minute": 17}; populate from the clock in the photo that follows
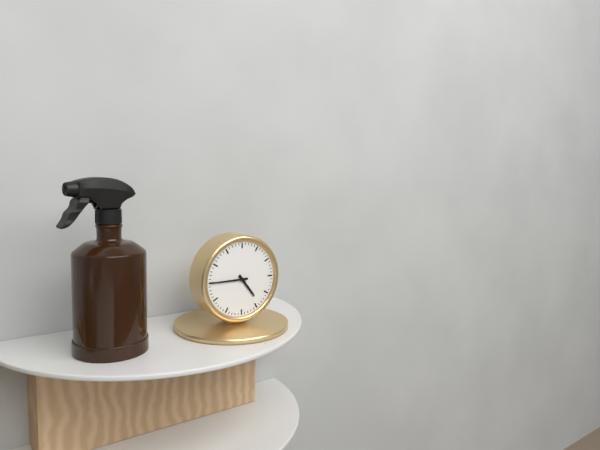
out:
{"hour": 4, "minute": 45}
